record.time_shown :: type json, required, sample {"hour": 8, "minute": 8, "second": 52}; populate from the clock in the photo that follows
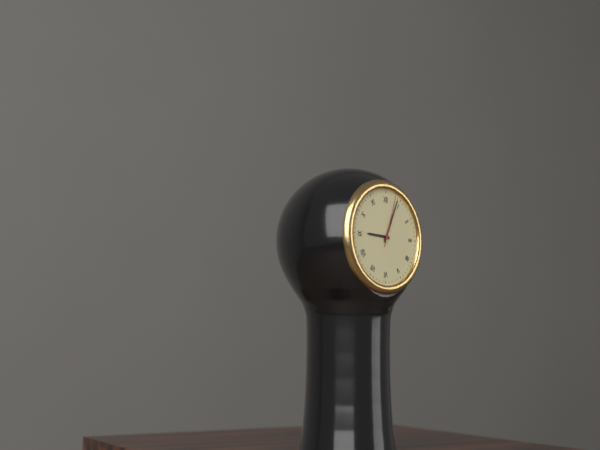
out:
{"hour": 9, "minute": 4, "second": 3}
